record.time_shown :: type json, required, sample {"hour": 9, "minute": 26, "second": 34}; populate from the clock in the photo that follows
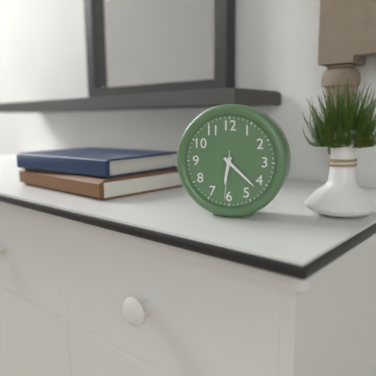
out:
{"hour": 6, "minute": 22, "second": 31}
